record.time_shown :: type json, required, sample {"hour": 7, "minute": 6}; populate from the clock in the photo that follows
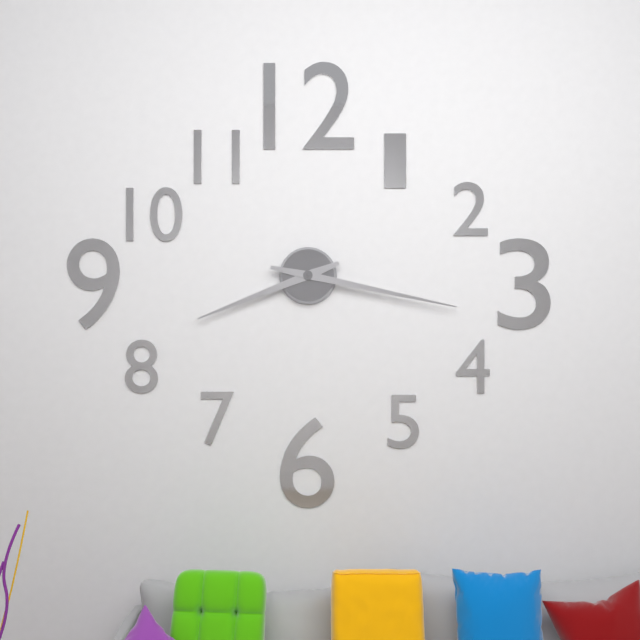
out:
{"hour": 8, "minute": 17}
